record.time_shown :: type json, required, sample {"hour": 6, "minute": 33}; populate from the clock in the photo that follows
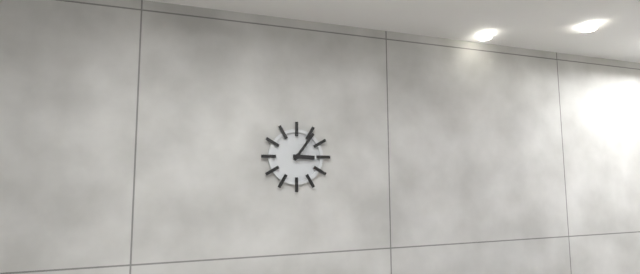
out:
{"hour": 3, "minute": 6}
